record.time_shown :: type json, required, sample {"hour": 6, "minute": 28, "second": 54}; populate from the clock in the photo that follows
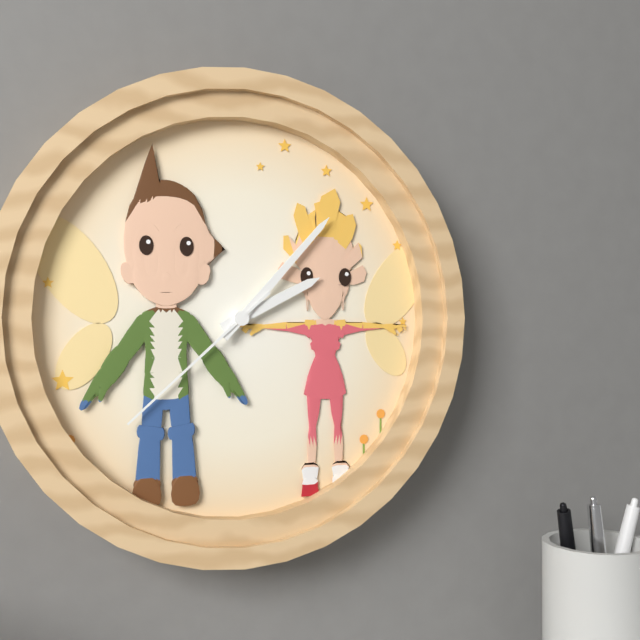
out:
{"hour": 2, "minute": 7, "second": 38}
